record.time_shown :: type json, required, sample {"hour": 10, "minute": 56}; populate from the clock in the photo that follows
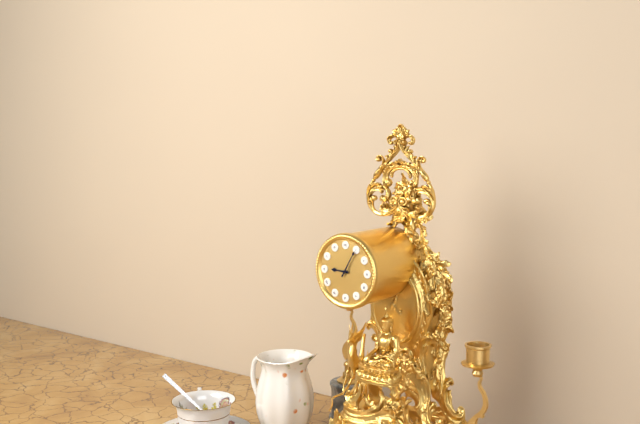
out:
{"hour": 9, "minute": 5}
